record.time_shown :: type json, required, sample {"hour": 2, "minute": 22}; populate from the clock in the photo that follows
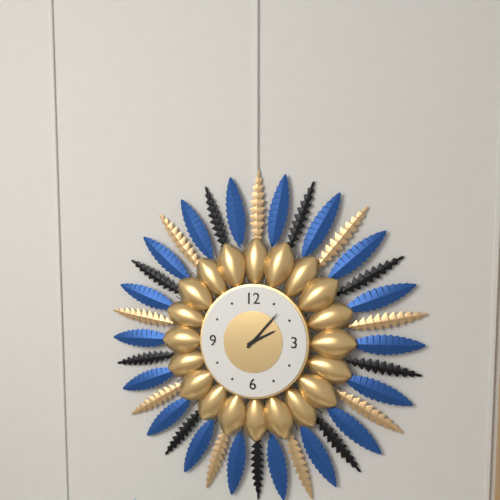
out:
{"hour": 2, "minute": 7}
